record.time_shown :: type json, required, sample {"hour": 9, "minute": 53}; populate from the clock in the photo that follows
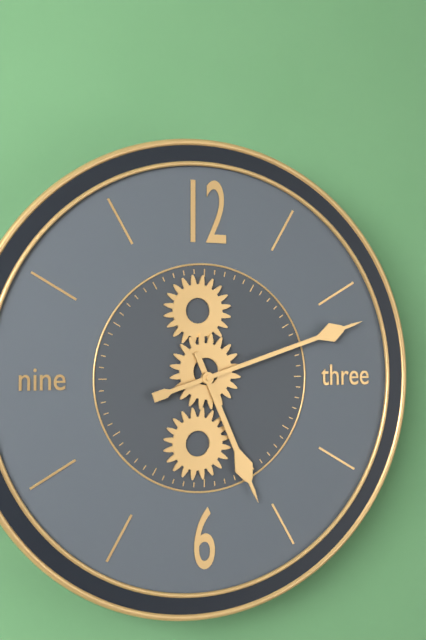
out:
{"hour": 5, "minute": 12}
